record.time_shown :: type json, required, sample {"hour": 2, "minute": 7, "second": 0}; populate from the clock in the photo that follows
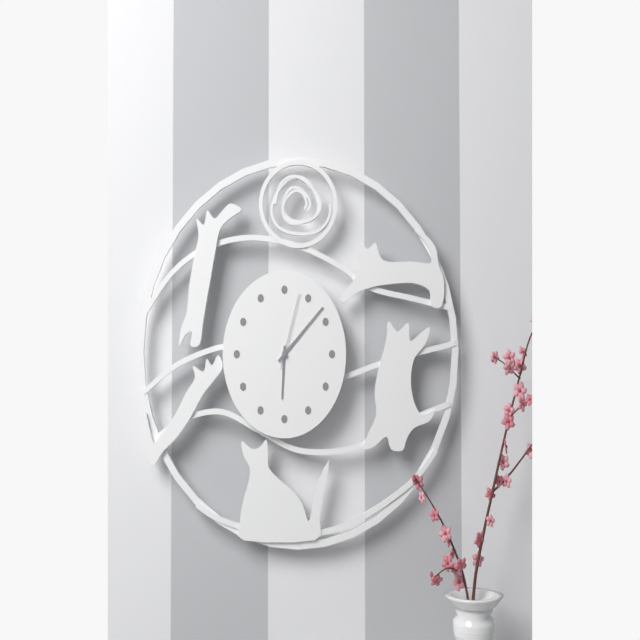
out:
{"hour": 6, "minute": 8, "second": 3}
